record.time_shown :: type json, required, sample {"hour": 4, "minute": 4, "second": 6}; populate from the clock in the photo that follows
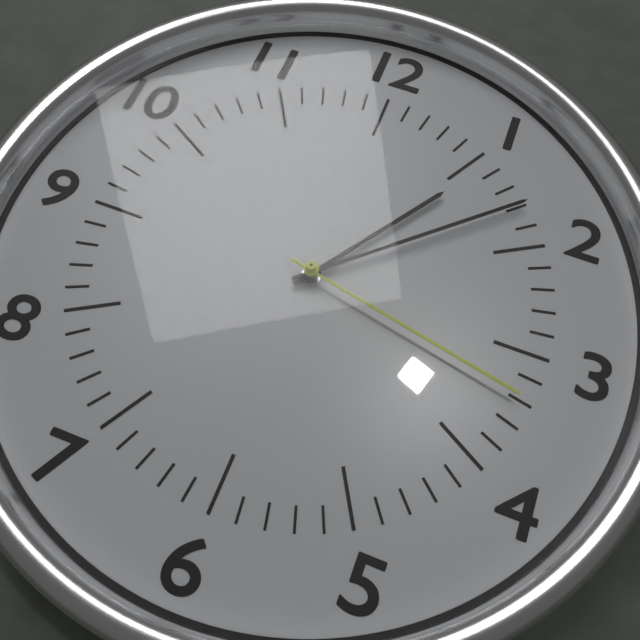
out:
{"hour": 1, "minute": 8, "second": 17}
